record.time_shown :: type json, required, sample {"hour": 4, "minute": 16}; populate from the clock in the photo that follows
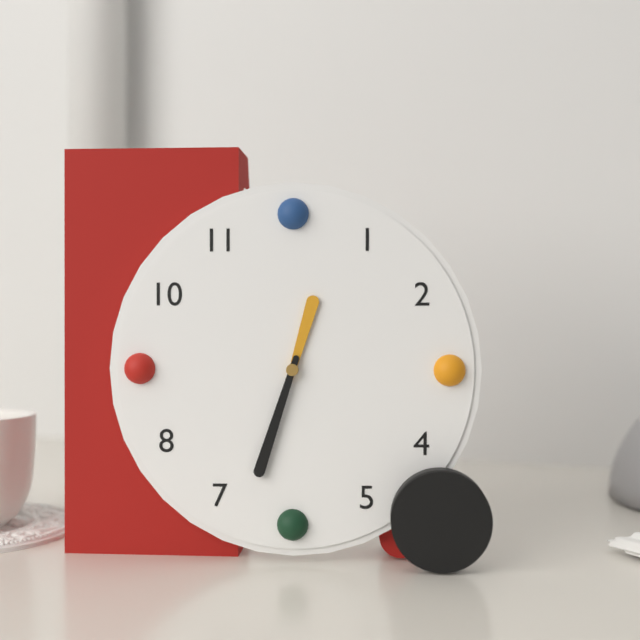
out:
{"hour": 12, "minute": 33}
